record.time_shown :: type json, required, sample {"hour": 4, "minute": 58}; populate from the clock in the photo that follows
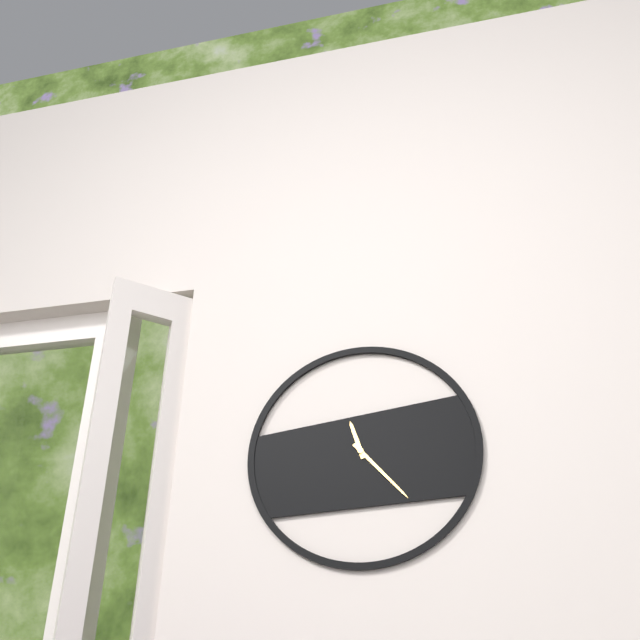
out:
{"hour": 11, "minute": 23}
